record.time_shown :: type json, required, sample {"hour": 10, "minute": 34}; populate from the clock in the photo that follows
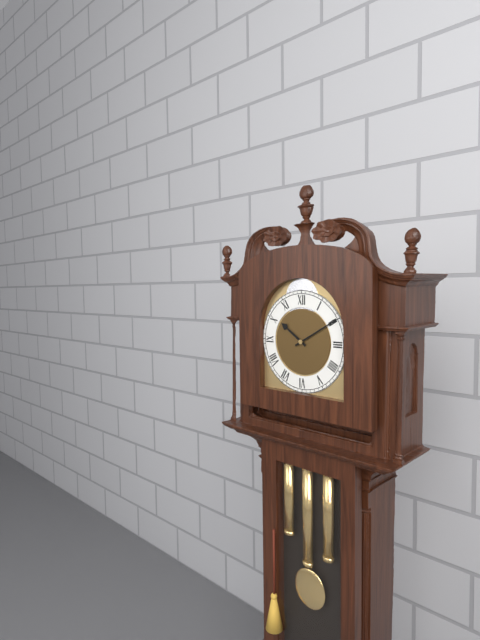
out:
{"hour": 10, "minute": 10}
